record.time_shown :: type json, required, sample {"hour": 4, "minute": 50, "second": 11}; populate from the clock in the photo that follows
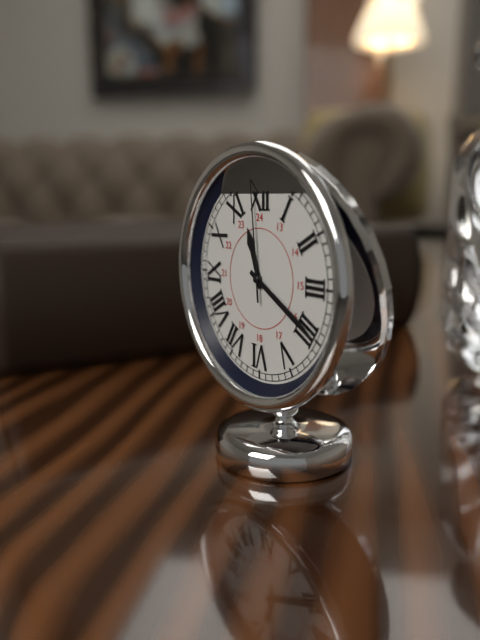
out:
{"hour": 11, "minute": 20, "second": 59}
